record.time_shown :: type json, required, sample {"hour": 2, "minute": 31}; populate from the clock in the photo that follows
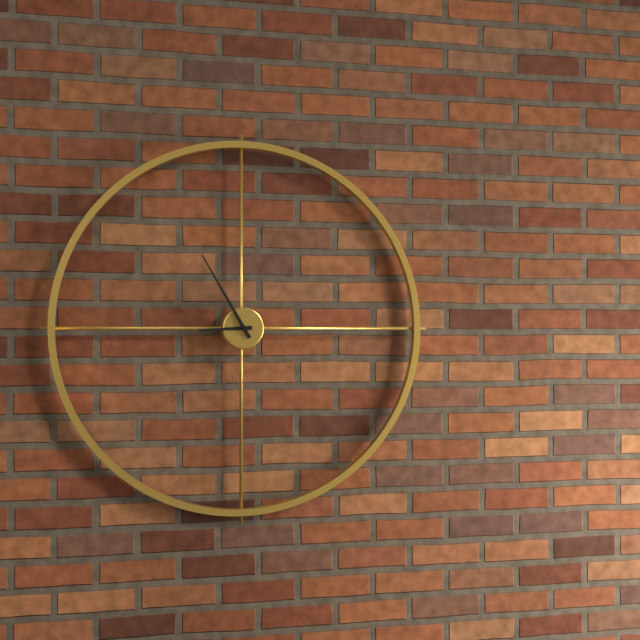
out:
{"hour": 8, "minute": 55}
